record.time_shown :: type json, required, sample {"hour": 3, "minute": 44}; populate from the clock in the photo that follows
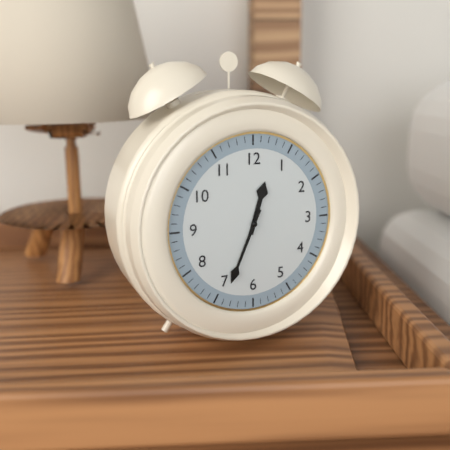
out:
{"hour": 12, "minute": 34}
